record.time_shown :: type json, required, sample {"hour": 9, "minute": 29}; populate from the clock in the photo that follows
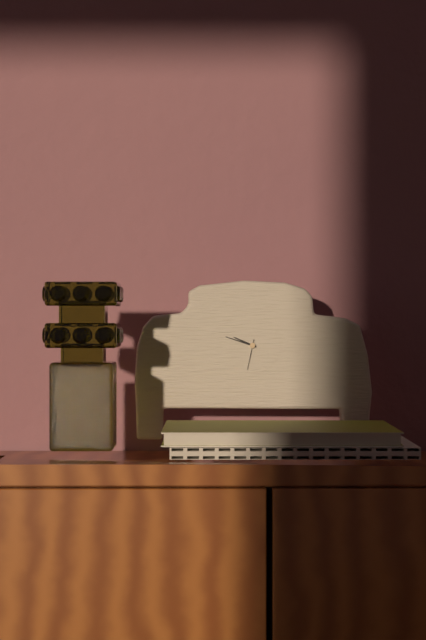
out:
{"hour": 9, "minute": 48}
